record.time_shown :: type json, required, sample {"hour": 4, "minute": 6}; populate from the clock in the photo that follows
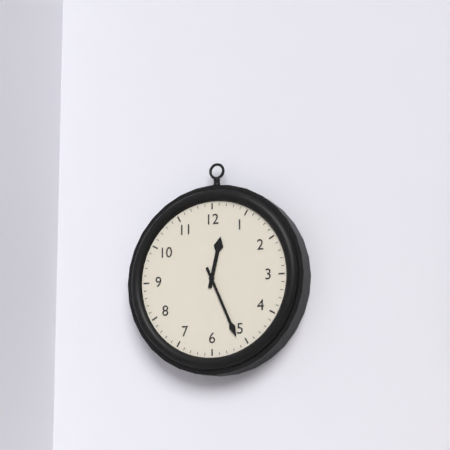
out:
{"hour": 12, "minute": 26}
